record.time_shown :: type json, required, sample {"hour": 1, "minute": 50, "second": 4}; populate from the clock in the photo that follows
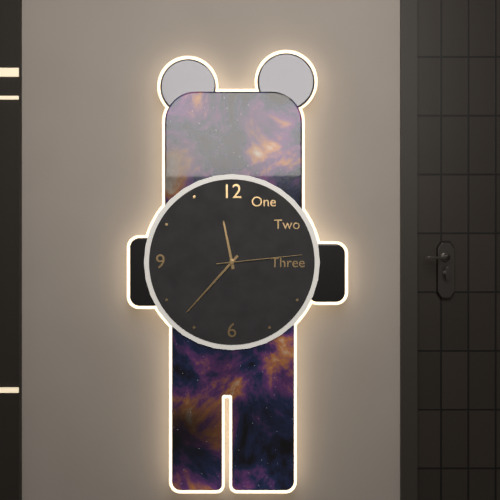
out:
{"hour": 11, "minute": 37, "second": 14}
